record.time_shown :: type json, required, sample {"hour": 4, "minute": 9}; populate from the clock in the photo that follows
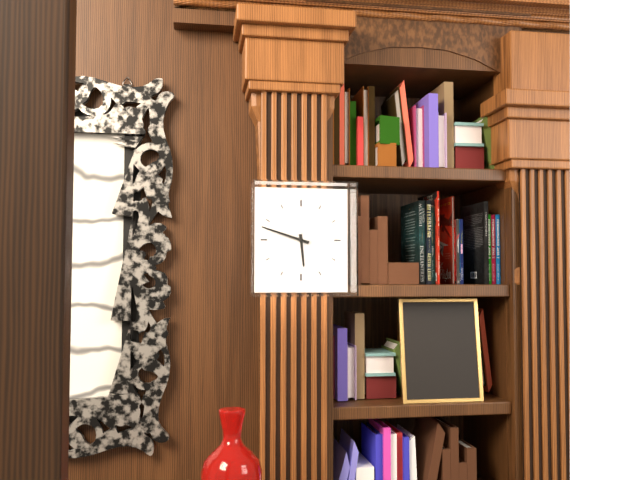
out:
{"hour": 5, "minute": 48}
